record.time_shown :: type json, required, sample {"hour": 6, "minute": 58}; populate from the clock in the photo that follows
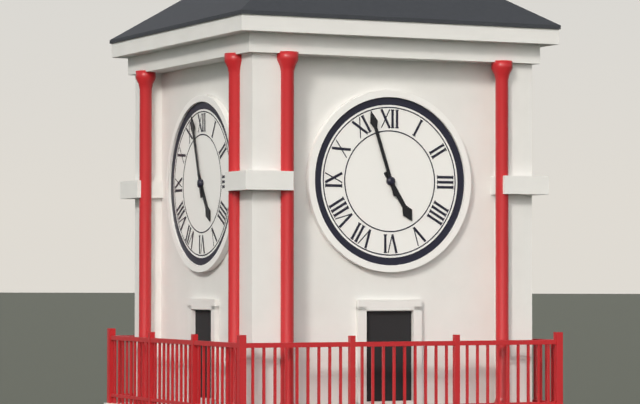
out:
{"hour": 4, "minute": 57}
